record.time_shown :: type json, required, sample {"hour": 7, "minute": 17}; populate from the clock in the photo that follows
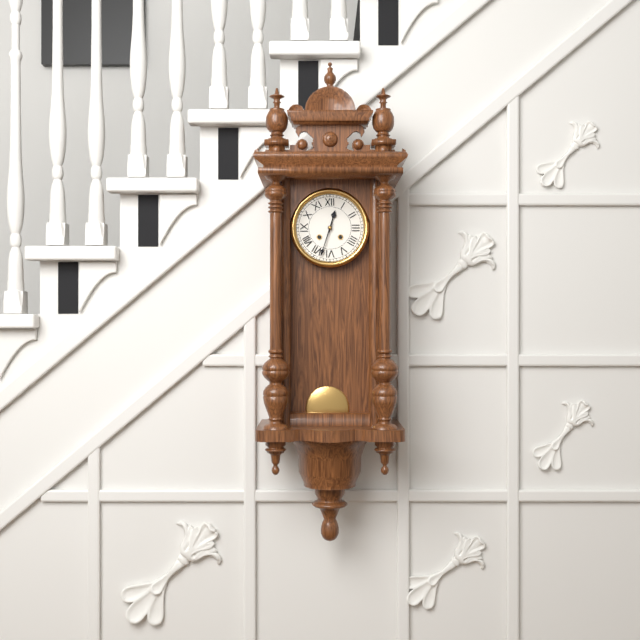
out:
{"hour": 12, "minute": 33}
